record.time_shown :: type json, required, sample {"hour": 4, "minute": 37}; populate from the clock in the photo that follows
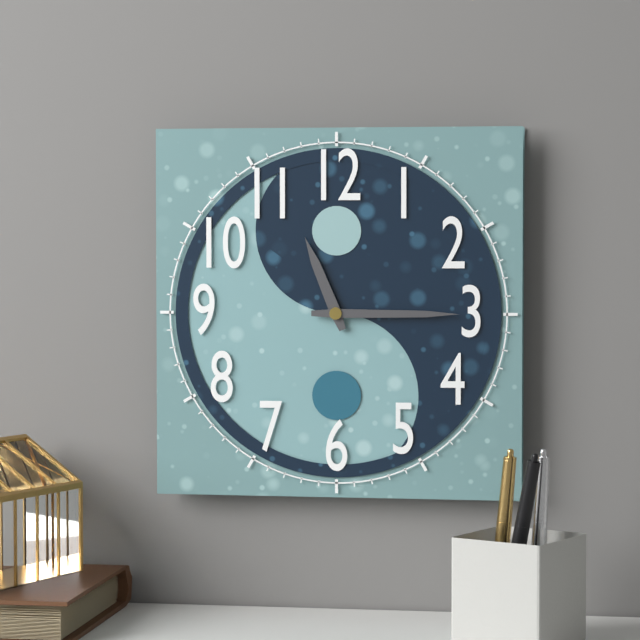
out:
{"hour": 11, "minute": 15}
